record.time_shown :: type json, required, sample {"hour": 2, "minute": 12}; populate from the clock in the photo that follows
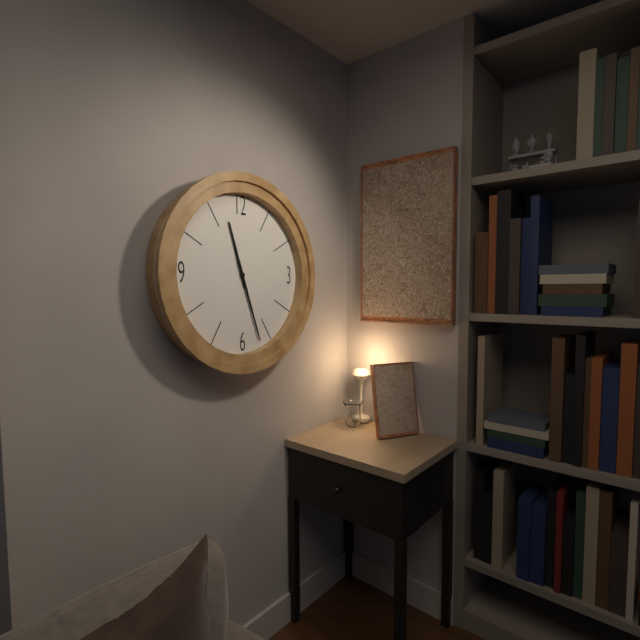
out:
{"hour": 11, "minute": 27}
